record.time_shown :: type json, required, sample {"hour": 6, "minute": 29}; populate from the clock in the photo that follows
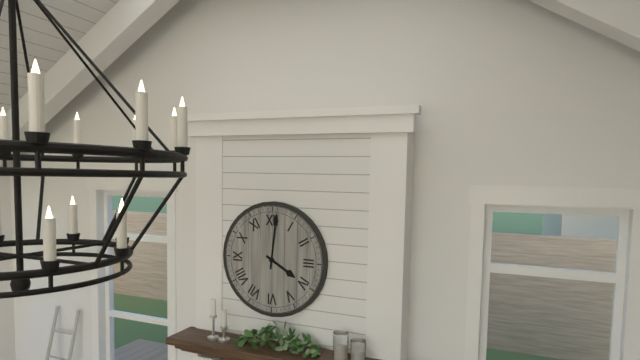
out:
{"hour": 4, "minute": 1}
